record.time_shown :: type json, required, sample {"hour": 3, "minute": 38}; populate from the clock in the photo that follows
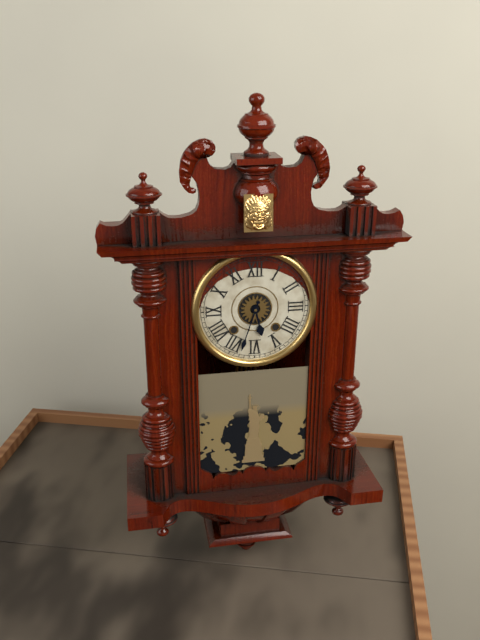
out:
{"hour": 5, "minute": 33}
